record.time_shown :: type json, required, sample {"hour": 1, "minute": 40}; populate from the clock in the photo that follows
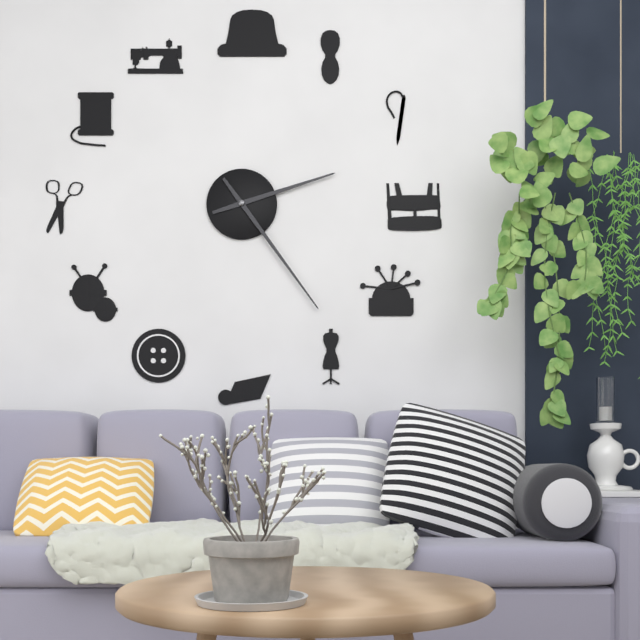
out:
{"hour": 2, "minute": 24}
